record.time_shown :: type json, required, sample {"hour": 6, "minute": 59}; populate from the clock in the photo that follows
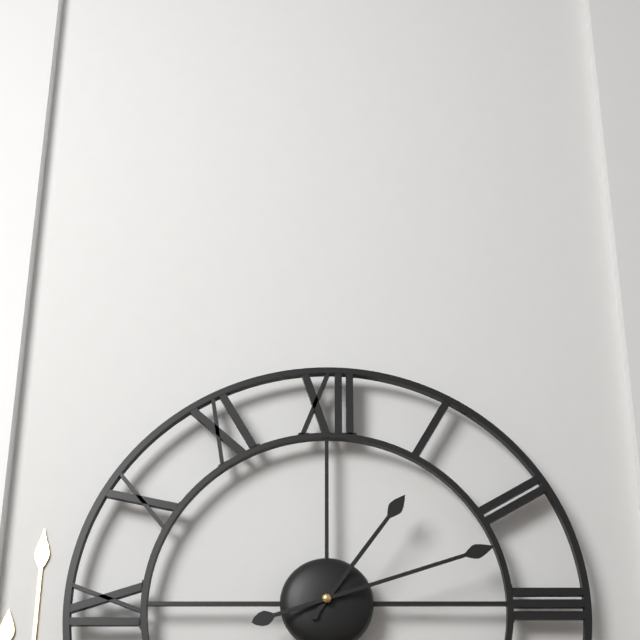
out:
{"hour": 1, "minute": 12}
